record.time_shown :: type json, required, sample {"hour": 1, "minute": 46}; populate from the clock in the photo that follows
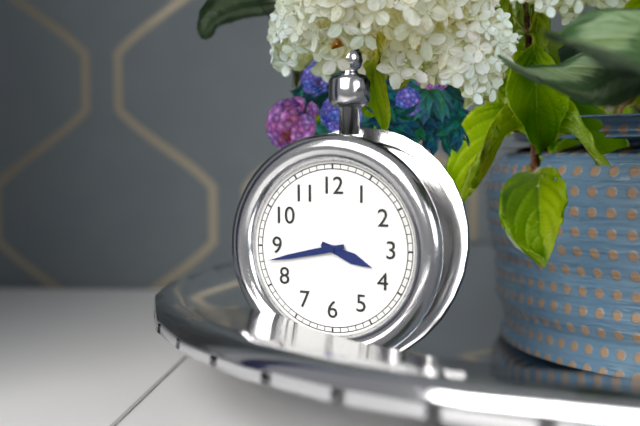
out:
{"hour": 3, "minute": 43}
